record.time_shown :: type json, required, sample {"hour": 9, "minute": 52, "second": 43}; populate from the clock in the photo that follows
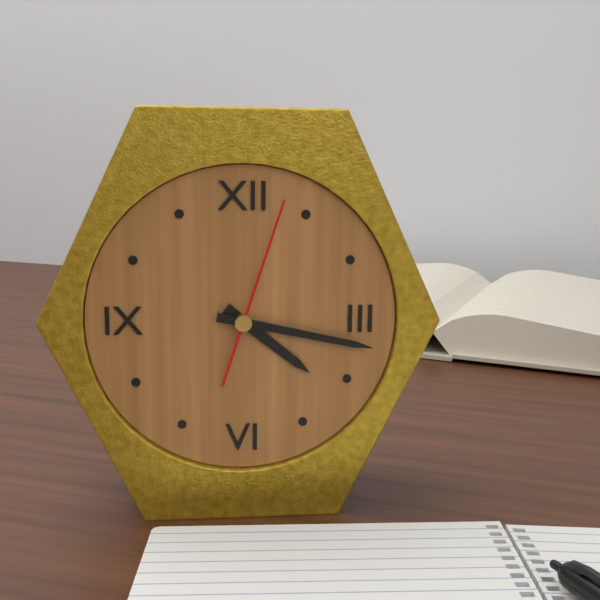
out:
{"hour": 4, "minute": 17, "second": 3}
